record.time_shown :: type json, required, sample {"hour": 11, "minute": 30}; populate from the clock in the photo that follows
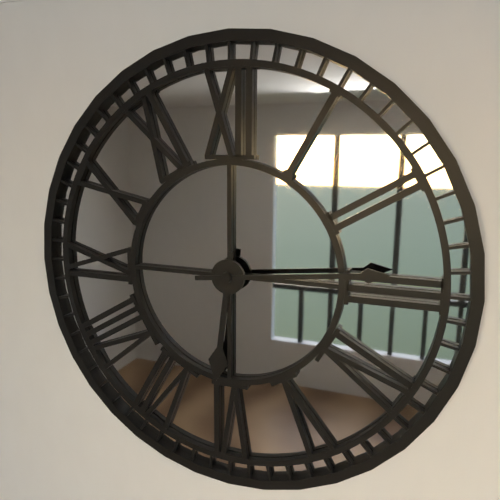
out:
{"hour": 6, "minute": 14}
